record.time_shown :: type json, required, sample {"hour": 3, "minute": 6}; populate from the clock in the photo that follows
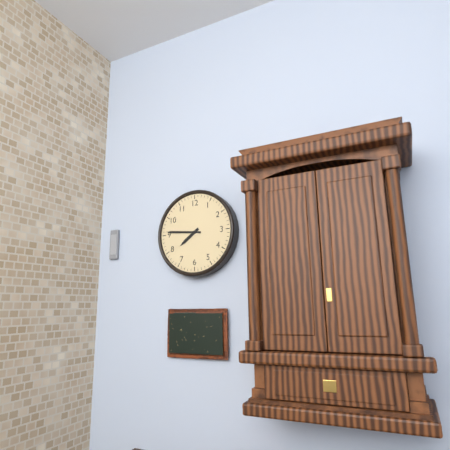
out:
{"hour": 7, "minute": 46}
